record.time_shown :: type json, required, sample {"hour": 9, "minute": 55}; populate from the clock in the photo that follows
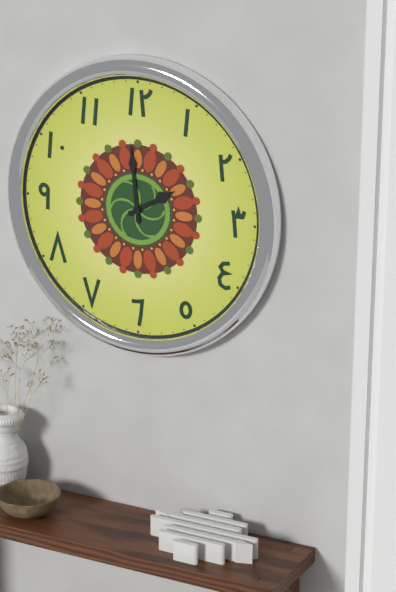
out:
{"hour": 1, "minute": 59}
